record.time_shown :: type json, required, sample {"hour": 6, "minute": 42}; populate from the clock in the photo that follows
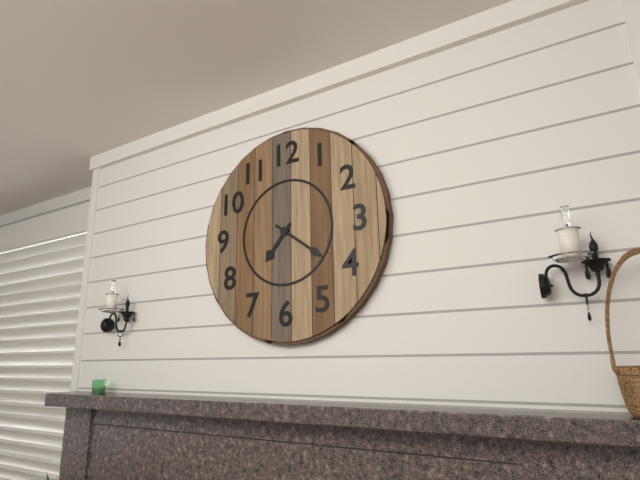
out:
{"hour": 7, "minute": 21}
